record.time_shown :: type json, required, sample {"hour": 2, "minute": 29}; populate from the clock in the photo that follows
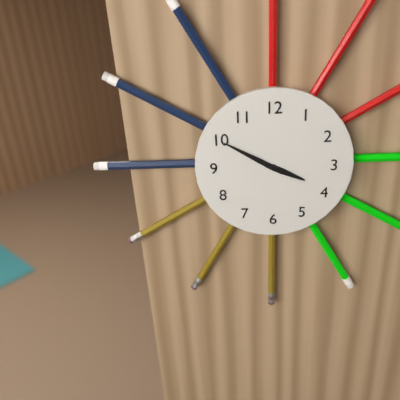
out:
{"hour": 3, "minute": 50}
